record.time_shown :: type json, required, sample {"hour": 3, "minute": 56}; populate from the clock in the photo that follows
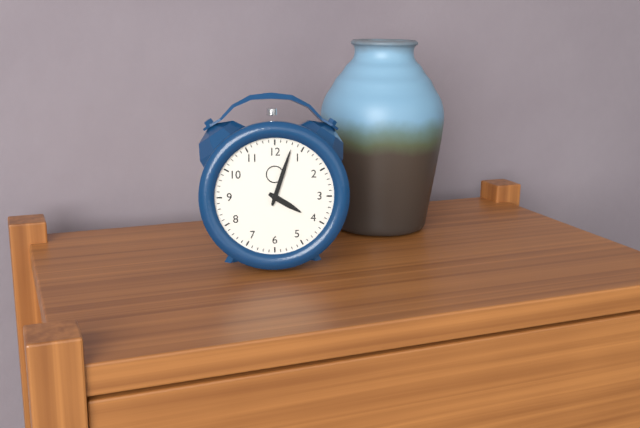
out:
{"hour": 4, "minute": 3}
